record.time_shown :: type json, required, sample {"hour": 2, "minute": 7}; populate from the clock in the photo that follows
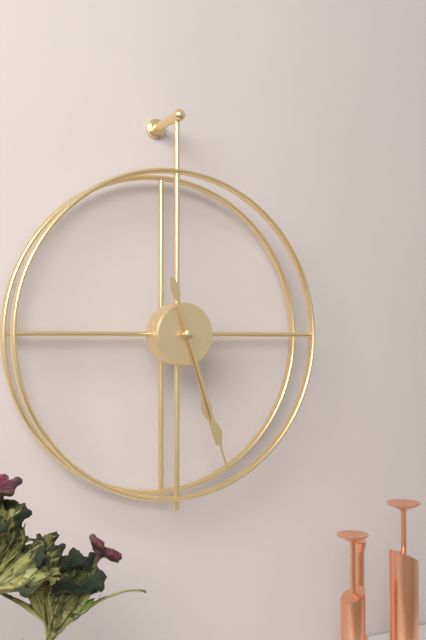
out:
{"hour": 5, "minute": 27}
